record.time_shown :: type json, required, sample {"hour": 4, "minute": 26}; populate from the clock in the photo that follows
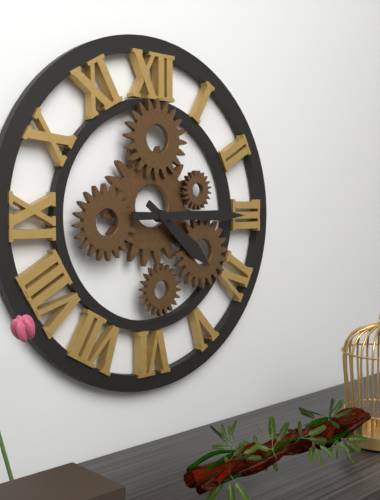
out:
{"hour": 4, "minute": 15}
